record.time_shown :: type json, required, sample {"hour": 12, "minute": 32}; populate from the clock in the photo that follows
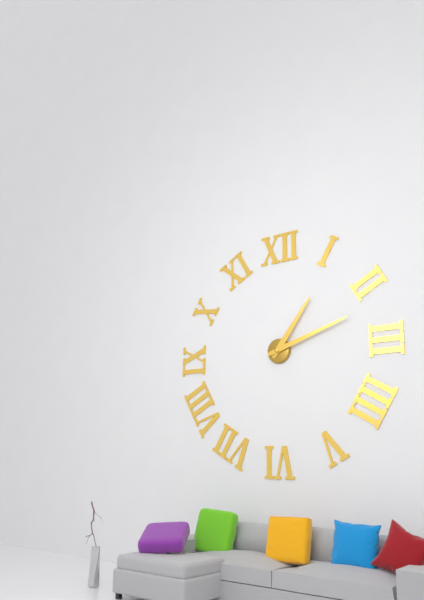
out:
{"hour": 1, "minute": 12}
